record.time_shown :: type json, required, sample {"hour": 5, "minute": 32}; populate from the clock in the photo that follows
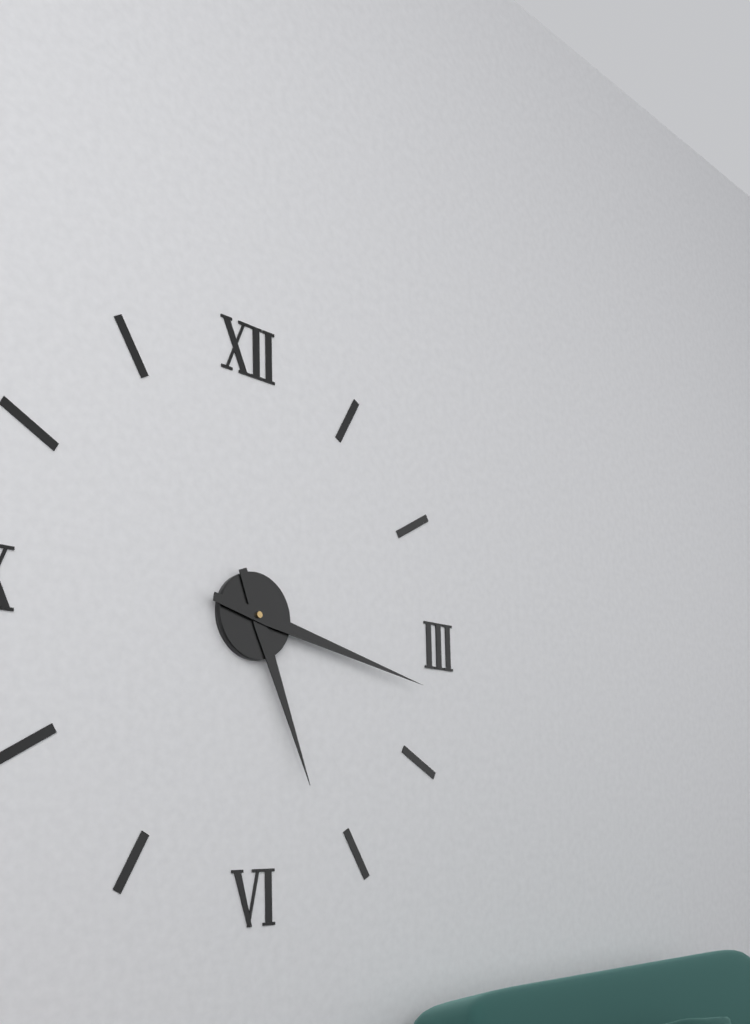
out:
{"hour": 5, "minute": 17}
